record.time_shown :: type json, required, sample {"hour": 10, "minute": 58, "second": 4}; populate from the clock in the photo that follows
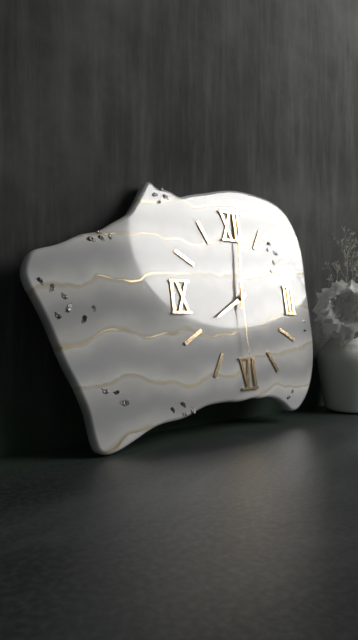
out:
{"hour": 8, "minute": 1, "second": 30}
